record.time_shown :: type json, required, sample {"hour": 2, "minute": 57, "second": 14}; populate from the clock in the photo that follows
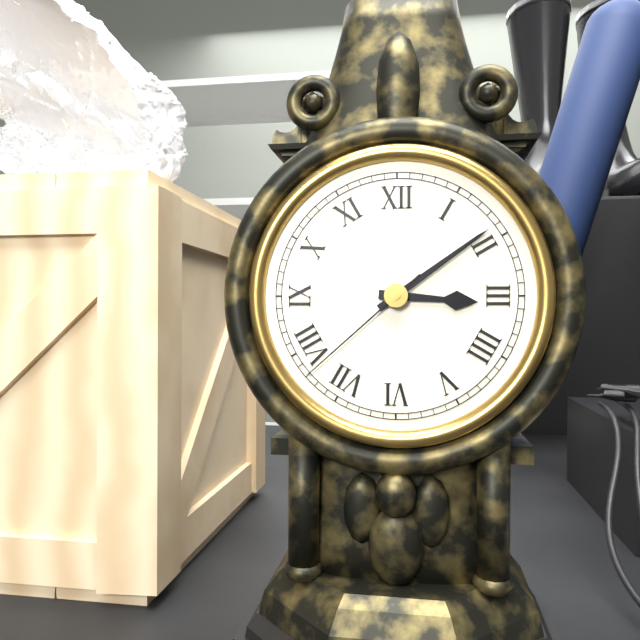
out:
{"hour": 3, "minute": 9, "second": 38}
